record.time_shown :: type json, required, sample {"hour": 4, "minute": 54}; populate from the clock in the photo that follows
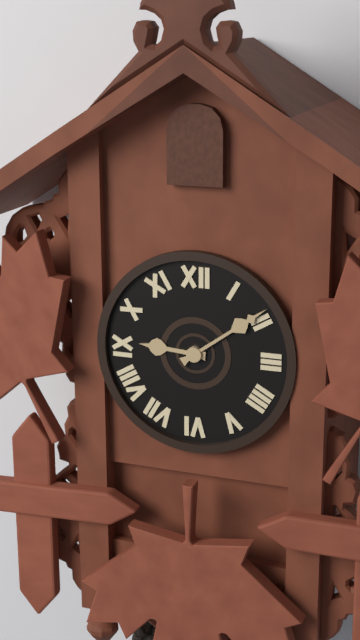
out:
{"hour": 9, "minute": 9}
